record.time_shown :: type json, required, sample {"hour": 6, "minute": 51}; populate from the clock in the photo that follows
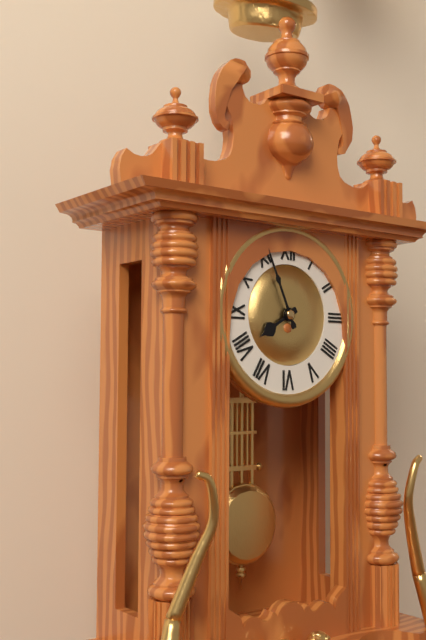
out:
{"hour": 7, "minute": 56}
